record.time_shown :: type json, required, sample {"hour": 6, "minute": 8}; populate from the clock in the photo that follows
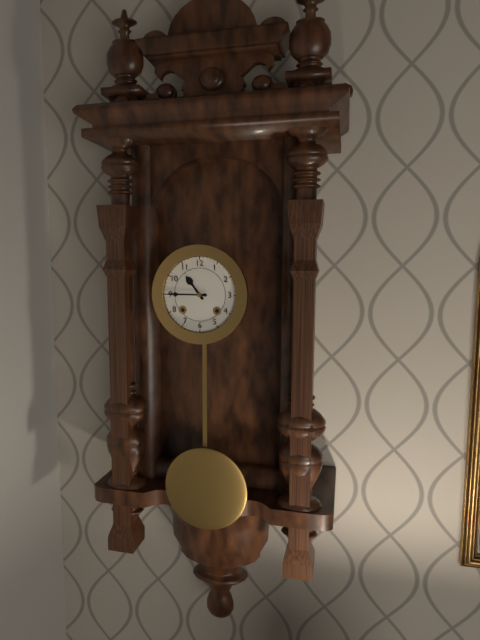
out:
{"hour": 10, "minute": 45}
